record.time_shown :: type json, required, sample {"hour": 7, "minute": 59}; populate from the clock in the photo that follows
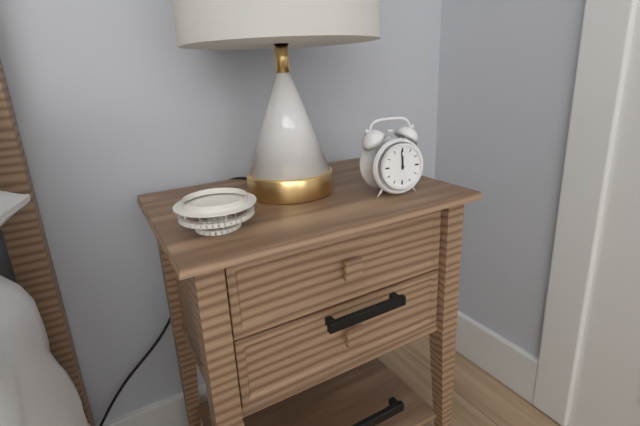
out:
{"hour": 11, "minute": 59}
